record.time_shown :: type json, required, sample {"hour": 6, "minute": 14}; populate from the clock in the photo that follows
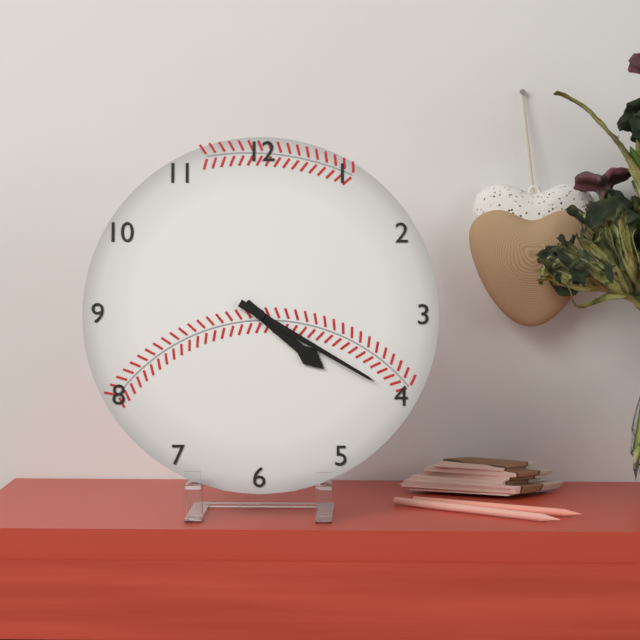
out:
{"hour": 4, "minute": 20}
